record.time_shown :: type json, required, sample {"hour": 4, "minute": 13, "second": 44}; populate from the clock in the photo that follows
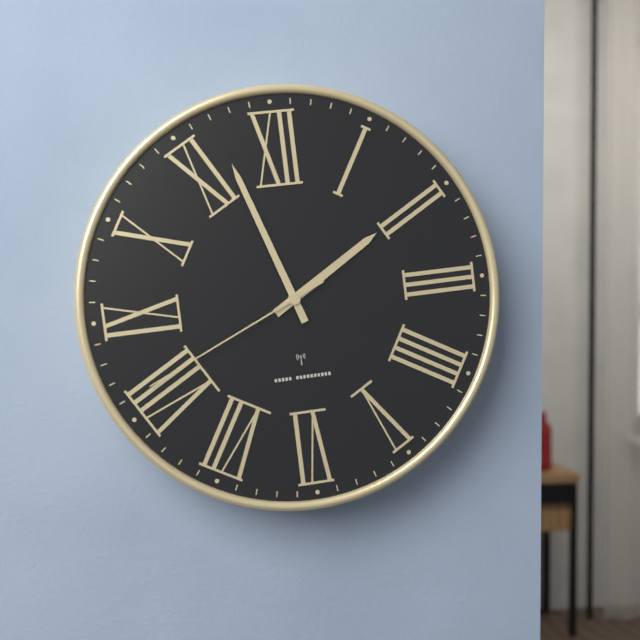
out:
{"hour": 1, "minute": 57, "second": 41}
